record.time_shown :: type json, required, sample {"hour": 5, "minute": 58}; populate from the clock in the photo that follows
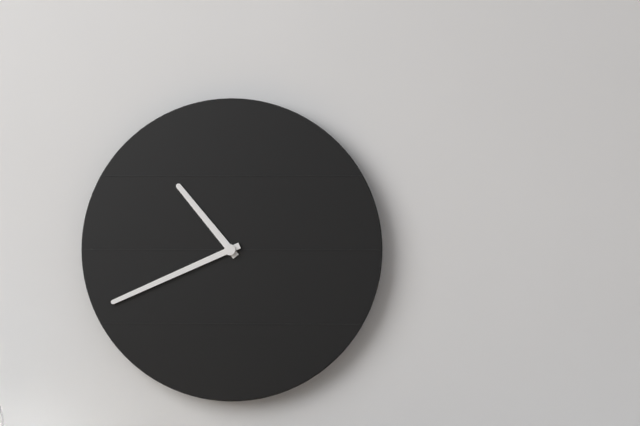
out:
{"hour": 10, "minute": 41}
